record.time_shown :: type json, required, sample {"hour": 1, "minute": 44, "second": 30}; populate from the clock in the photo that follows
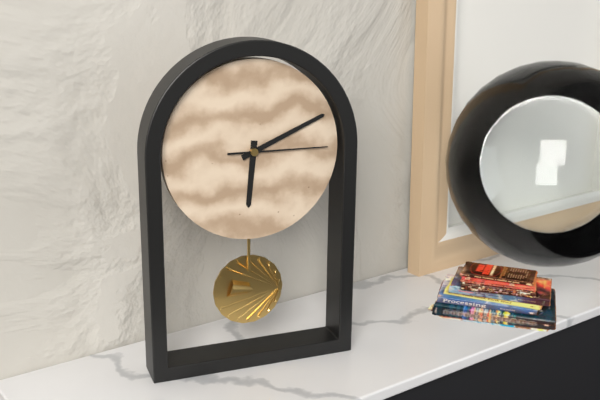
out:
{"hour": 6, "minute": 11, "second": 15}
